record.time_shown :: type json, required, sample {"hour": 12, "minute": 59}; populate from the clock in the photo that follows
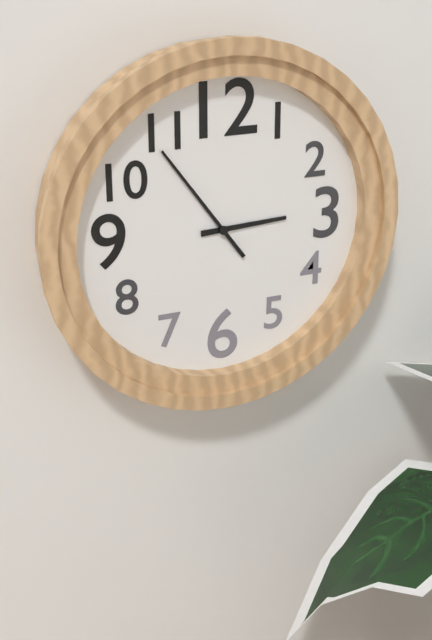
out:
{"hour": 2, "minute": 54}
